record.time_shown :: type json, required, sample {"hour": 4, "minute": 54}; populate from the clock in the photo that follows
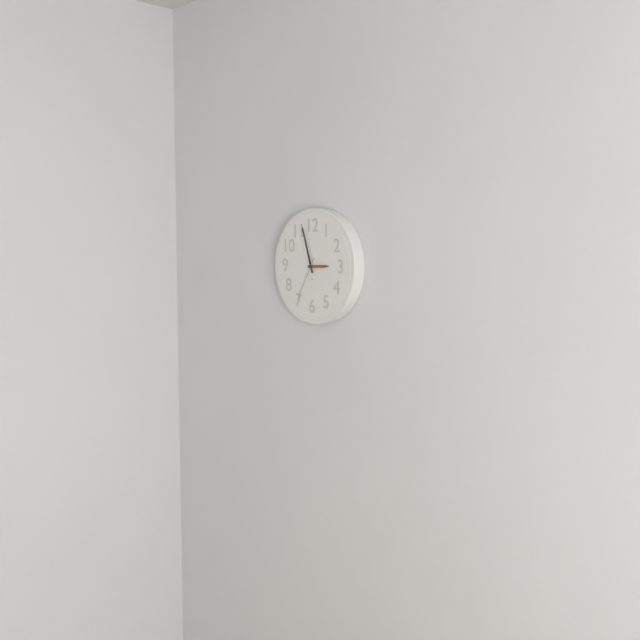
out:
{"hour": 2, "minute": 57}
